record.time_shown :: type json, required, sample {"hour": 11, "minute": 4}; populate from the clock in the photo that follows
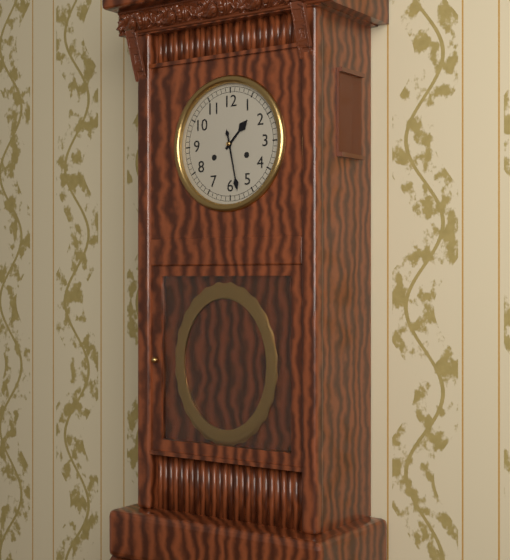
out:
{"hour": 1, "minute": 28}
